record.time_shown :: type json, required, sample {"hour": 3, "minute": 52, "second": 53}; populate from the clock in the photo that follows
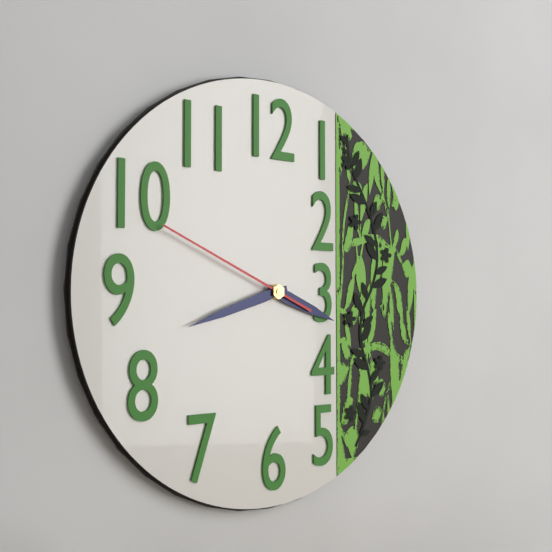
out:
{"hour": 3, "minute": 42, "second": 49}
